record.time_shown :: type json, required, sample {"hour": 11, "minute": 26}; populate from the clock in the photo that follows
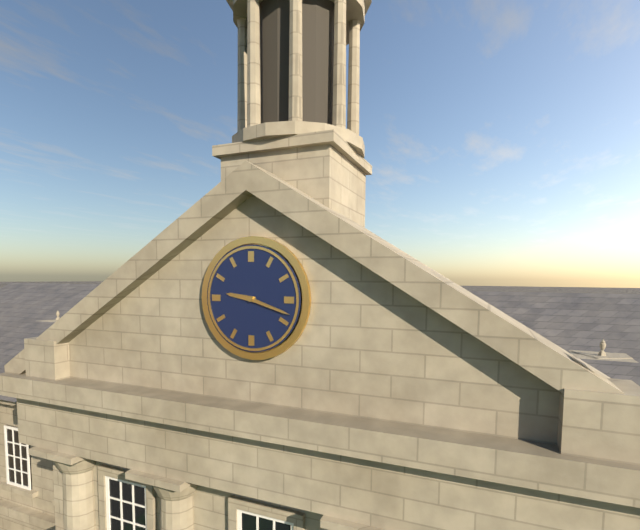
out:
{"hour": 9, "minute": 18}
